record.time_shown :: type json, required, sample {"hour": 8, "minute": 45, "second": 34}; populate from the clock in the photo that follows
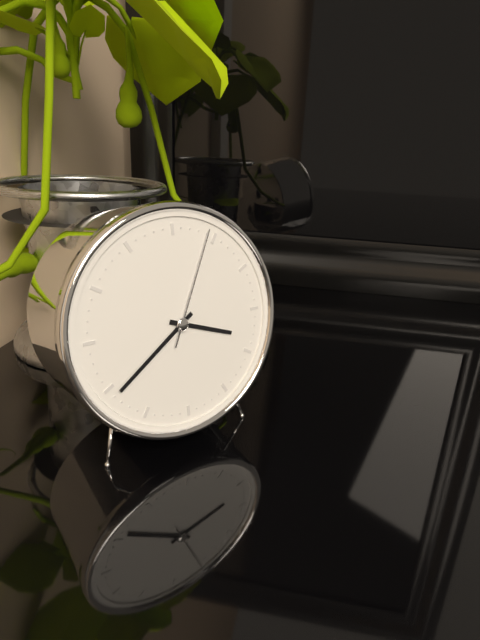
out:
{"hour": 3, "minute": 39, "second": 4}
